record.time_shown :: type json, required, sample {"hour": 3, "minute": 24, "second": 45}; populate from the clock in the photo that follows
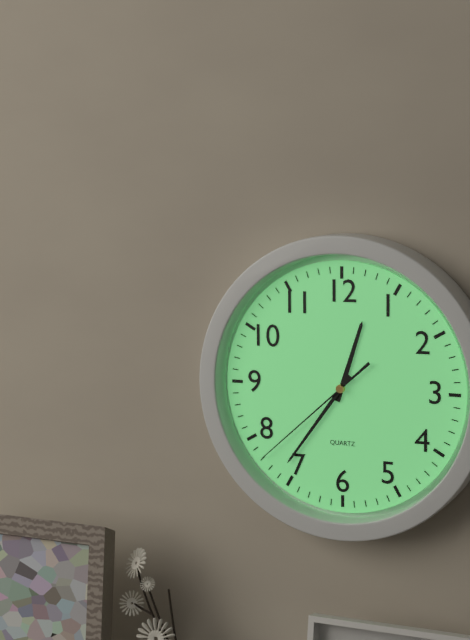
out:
{"hour": 12, "minute": 36, "second": 38}
